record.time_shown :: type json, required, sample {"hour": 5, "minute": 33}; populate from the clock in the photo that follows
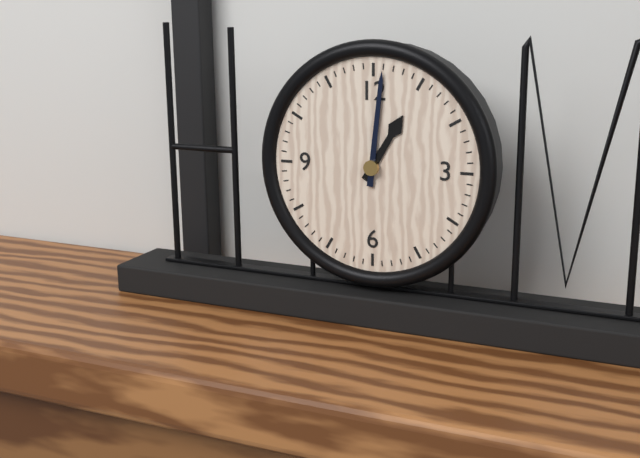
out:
{"hour": 1, "minute": 1}
